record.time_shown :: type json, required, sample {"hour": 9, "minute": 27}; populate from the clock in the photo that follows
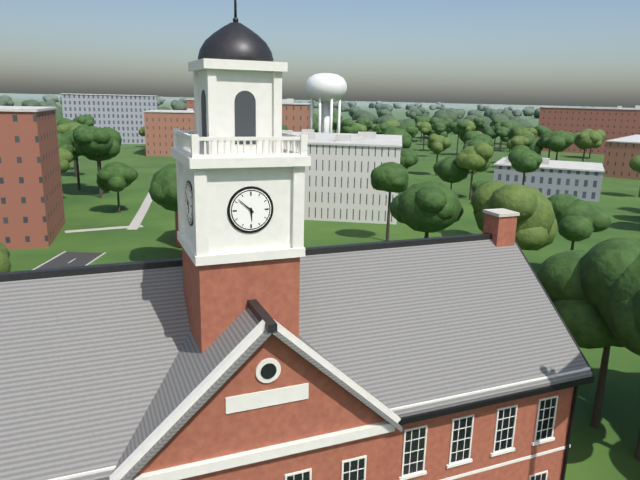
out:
{"hour": 5, "minute": 52}
